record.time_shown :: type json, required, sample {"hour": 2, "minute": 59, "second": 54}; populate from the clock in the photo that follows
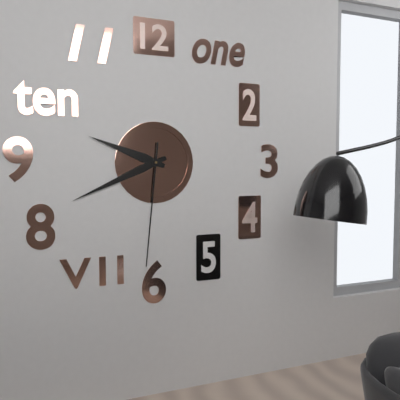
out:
{"hour": 9, "minute": 41, "second": 31}
